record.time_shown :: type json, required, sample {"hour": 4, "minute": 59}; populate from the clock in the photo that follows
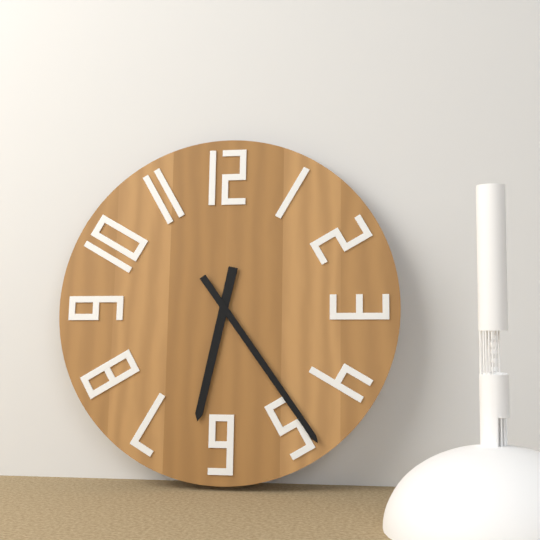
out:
{"hour": 6, "minute": 24}
